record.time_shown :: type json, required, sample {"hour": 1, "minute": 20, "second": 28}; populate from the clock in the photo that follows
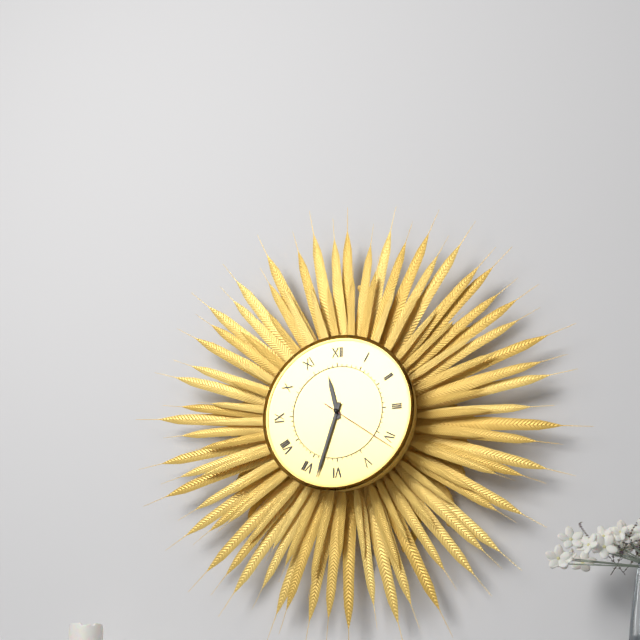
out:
{"hour": 11, "minute": 33, "second": 21}
